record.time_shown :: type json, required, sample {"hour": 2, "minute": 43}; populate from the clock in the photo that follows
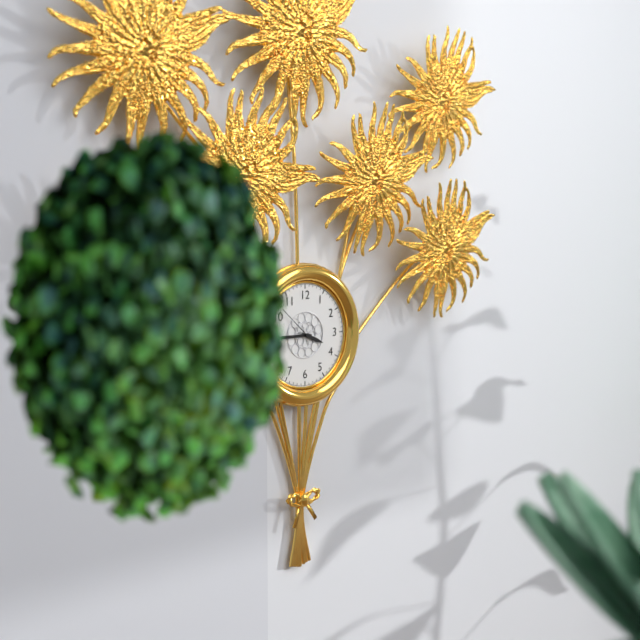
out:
{"hour": 3, "minute": 45}
